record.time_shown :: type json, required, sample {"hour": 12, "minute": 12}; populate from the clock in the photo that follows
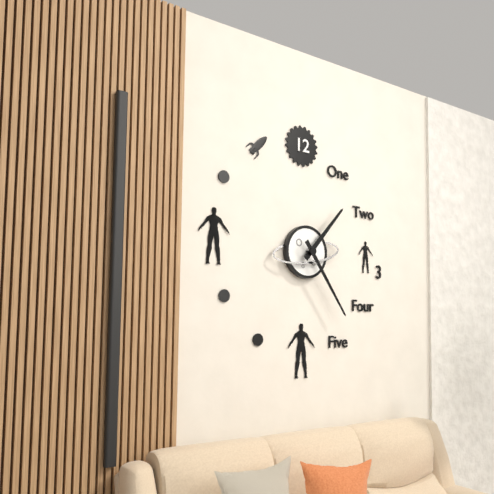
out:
{"hour": 1, "minute": 24}
